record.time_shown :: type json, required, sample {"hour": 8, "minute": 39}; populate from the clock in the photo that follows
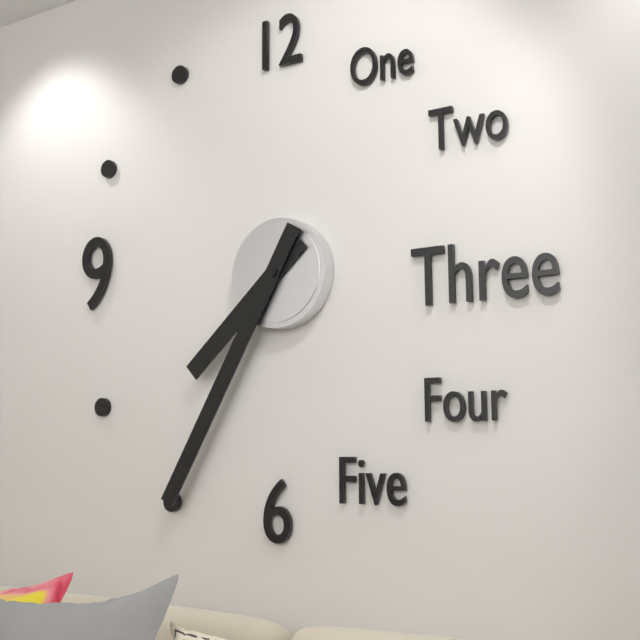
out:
{"hour": 7, "minute": 35}
